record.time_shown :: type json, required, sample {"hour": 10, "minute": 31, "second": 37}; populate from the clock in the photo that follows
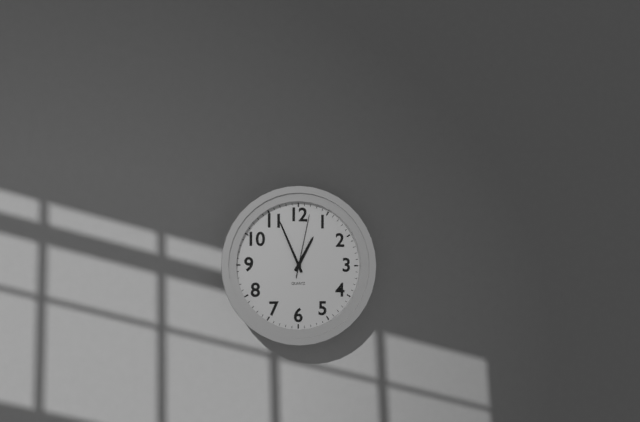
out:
{"hour": 12, "minute": 56, "second": 2}
